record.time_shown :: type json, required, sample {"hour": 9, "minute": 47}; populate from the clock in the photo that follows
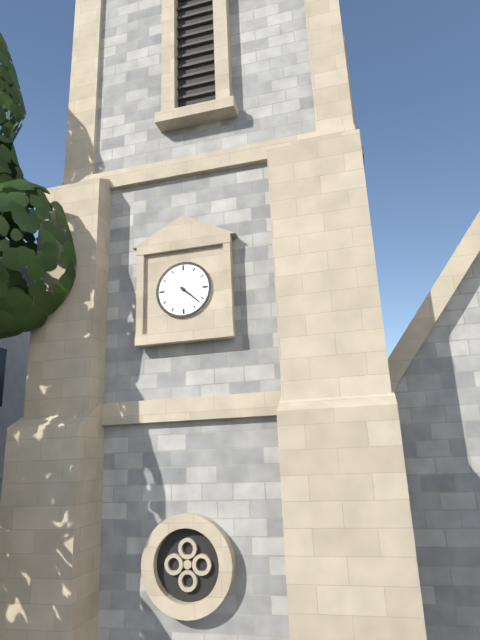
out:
{"hour": 4, "minute": 22}
